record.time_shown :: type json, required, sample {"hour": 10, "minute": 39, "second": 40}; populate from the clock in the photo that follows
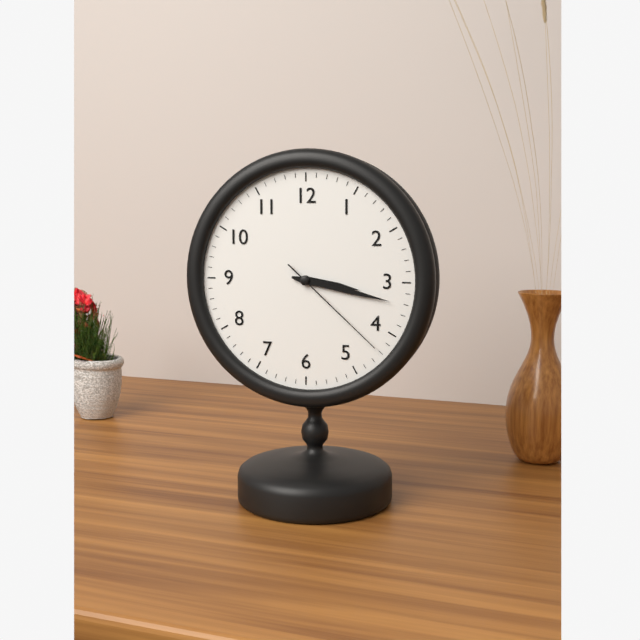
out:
{"hour": 3, "minute": 17, "second": 22}
